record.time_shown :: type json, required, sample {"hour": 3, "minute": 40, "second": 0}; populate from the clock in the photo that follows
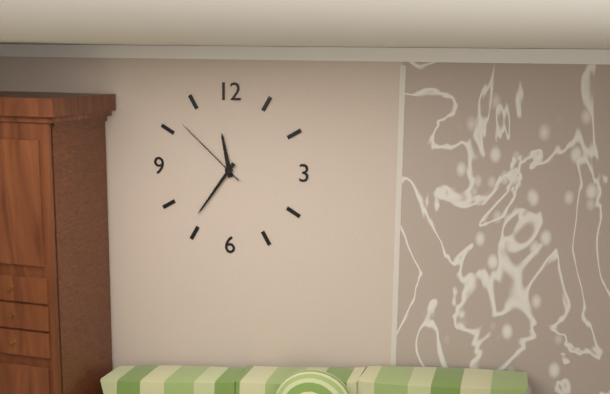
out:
{"hour": 11, "minute": 36, "second": 52}
